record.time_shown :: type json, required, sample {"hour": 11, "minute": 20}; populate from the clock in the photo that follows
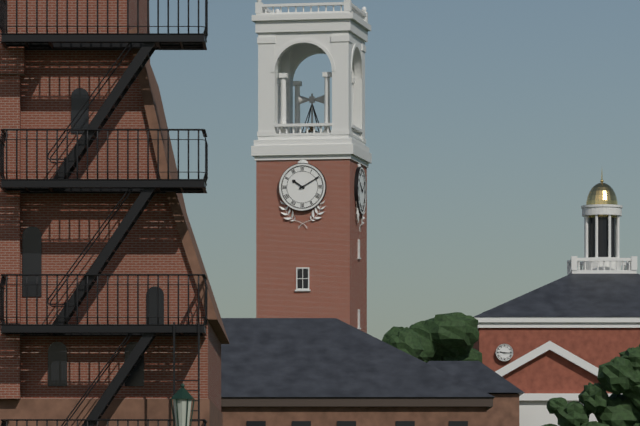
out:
{"hour": 10, "minute": 10}
